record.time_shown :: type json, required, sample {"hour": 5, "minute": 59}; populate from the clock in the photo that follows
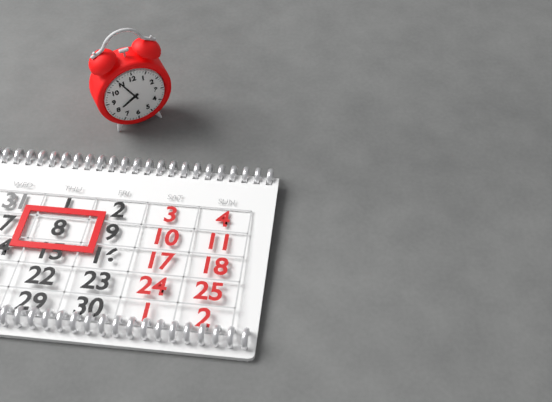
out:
{"hour": 7, "minute": 55}
